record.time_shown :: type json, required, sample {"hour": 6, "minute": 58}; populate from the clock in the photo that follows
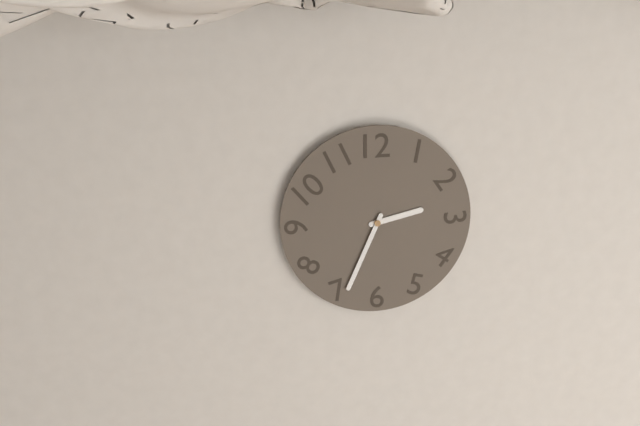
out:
{"hour": 2, "minute": 34}
